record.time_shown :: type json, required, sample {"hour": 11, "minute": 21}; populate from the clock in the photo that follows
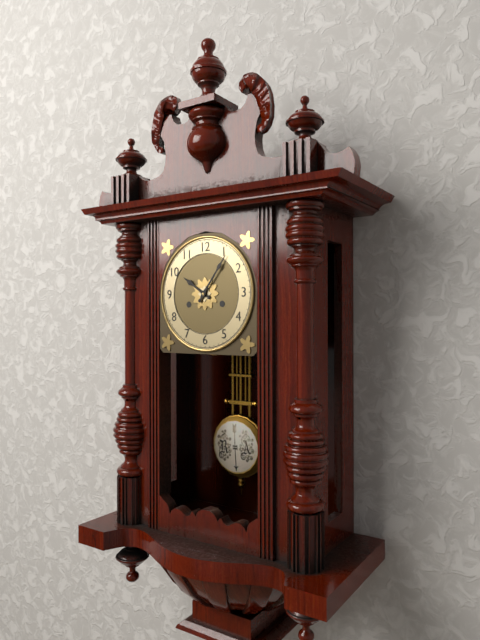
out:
{"hour": 10, "minute": 6}
